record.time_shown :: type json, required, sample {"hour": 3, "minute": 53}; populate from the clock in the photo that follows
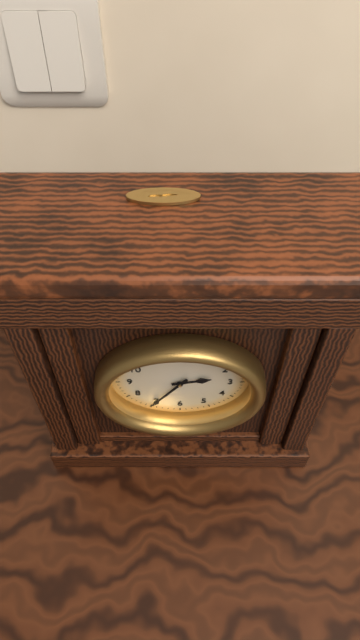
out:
{"hour": 2, "minute": 36}
